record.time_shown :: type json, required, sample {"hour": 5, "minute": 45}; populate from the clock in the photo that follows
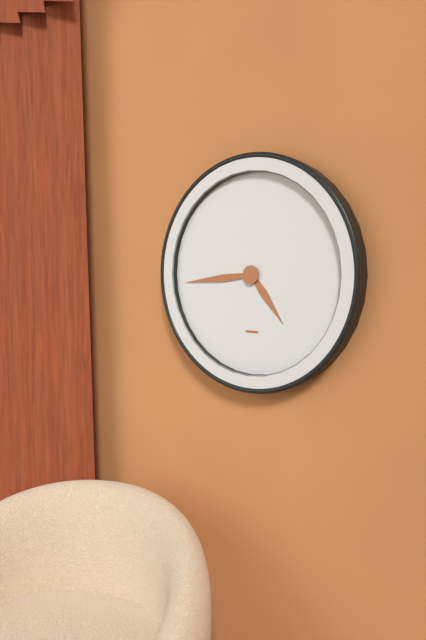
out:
{"hour": 4, "minute": 44}
